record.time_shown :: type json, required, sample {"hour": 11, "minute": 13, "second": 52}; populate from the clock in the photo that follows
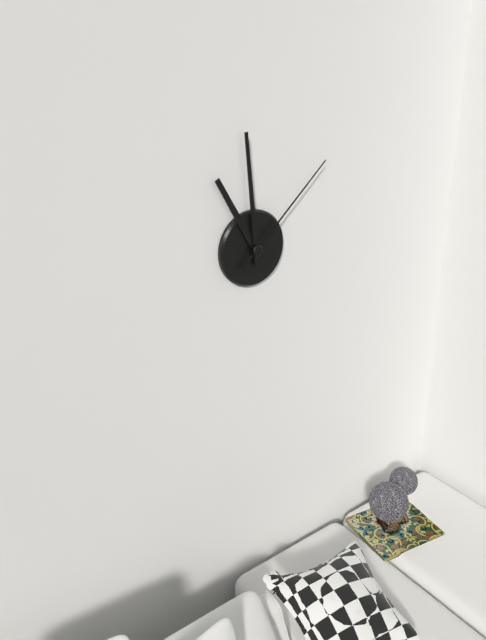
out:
{"hour": 10, "minute": 59, "second": 8}
